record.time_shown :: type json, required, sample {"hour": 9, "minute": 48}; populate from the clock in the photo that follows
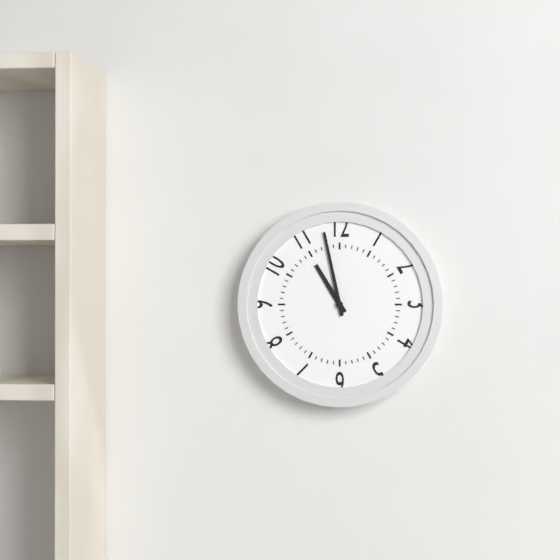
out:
{"hour": 10, "minute": 58}
